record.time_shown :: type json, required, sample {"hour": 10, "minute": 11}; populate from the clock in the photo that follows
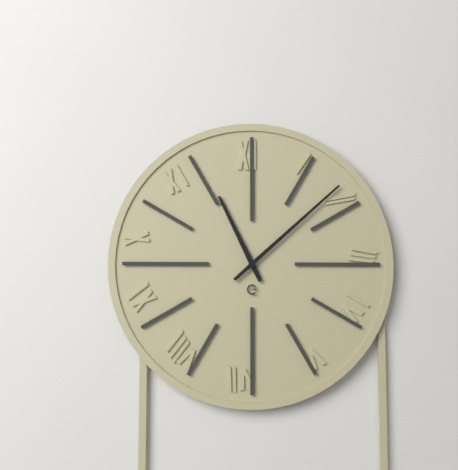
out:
{"hour": 11, "minute": 8}
